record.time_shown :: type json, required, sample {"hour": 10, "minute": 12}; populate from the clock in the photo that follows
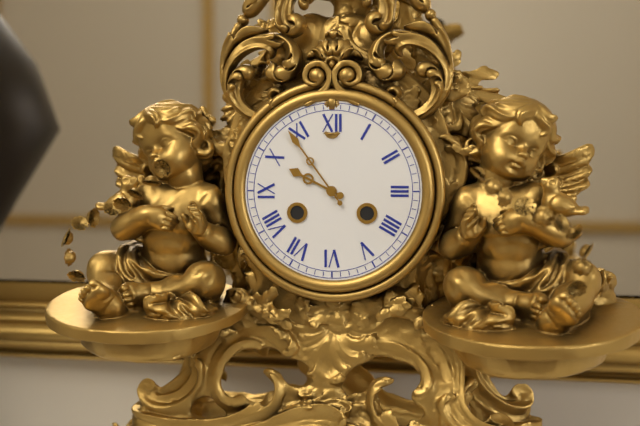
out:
{"hour": 9, "minute": 54}
